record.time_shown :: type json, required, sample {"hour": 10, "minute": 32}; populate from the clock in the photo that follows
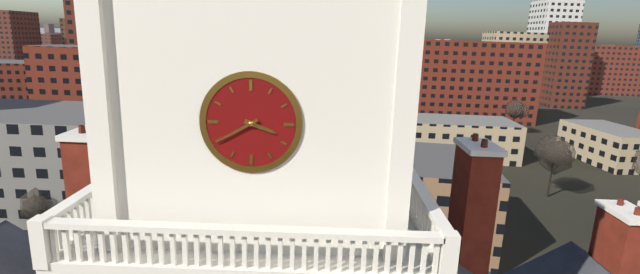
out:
{"hour": 3, "minute": 40}
